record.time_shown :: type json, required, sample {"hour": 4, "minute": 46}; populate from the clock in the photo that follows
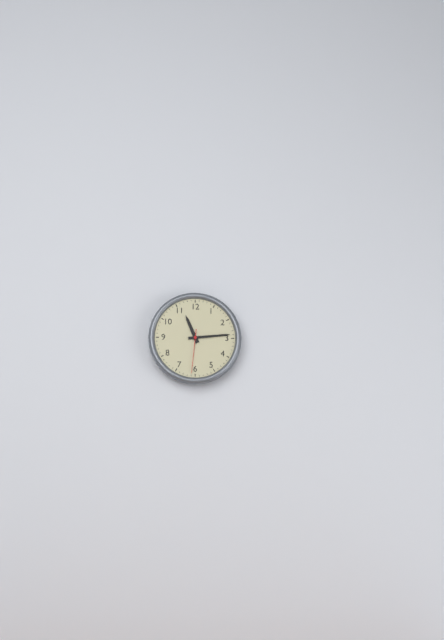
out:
{"hour": 11, "minute": 14}
